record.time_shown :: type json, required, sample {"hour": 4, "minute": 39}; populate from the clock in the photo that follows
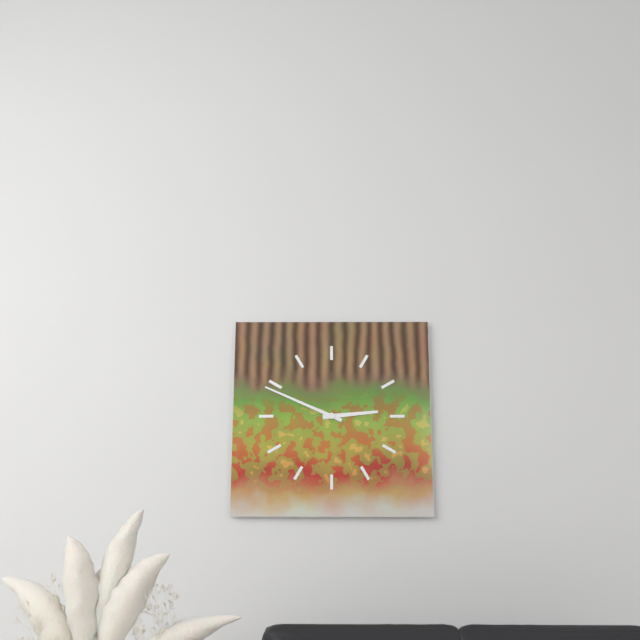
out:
{"hour": 2, "minute": 49}
